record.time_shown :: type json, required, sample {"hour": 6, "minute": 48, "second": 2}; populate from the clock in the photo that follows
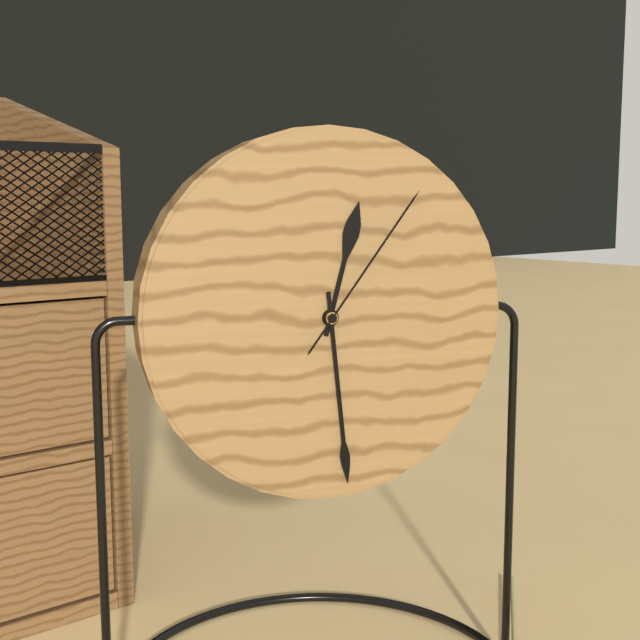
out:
{"hour": 12, "minute": 29, "second": 6}
